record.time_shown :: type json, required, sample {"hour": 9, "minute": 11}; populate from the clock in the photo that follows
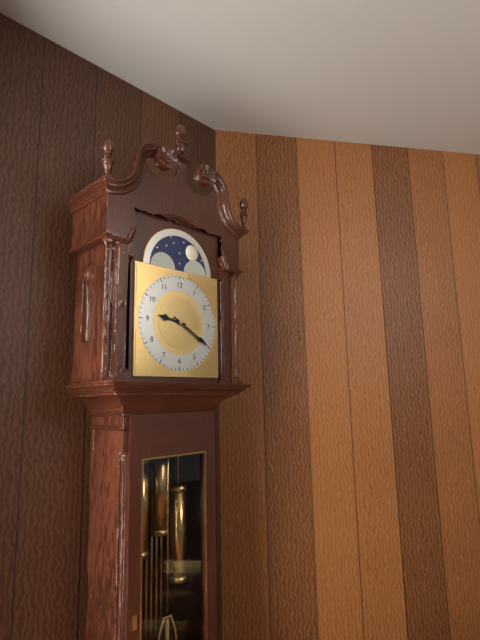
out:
{"hour": 9, "minute": 20}
